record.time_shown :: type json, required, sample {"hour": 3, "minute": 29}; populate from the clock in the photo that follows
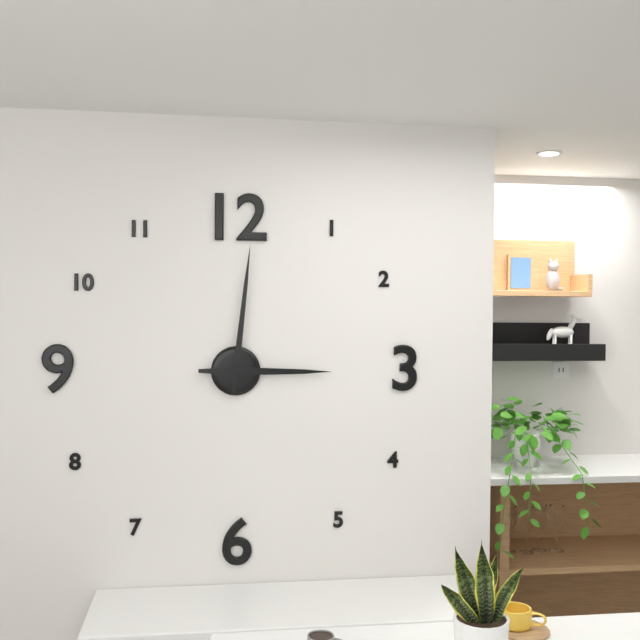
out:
{"hour": 3, "minute": 1}
